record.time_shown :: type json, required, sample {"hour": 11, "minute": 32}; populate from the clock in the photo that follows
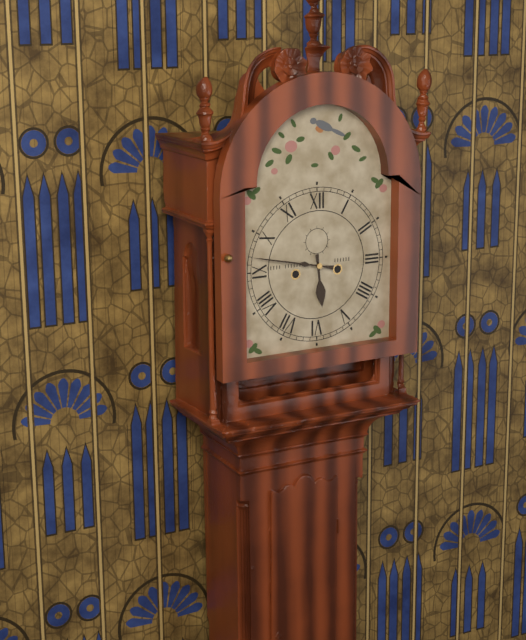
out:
{"hour": 5, "minute": 47}
